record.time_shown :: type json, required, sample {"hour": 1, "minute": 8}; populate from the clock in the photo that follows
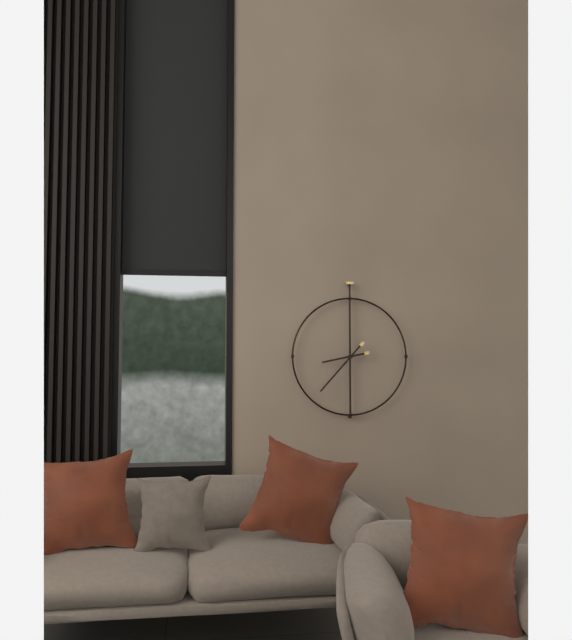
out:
{"hour": 8, "minute": 37}
